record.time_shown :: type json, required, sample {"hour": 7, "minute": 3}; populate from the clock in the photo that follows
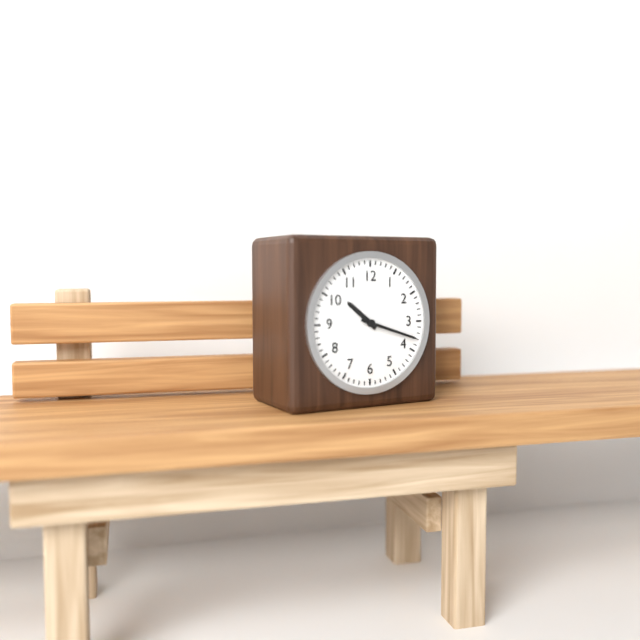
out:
{"hour": 10, "minute": 18}
